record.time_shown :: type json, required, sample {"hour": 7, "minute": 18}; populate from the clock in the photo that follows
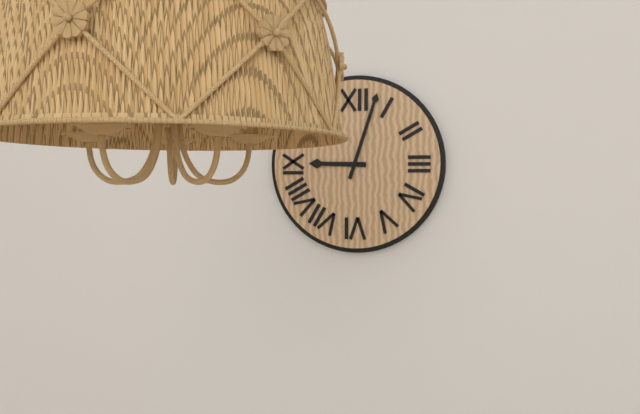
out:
{"hour": 9, "minute": 3}
